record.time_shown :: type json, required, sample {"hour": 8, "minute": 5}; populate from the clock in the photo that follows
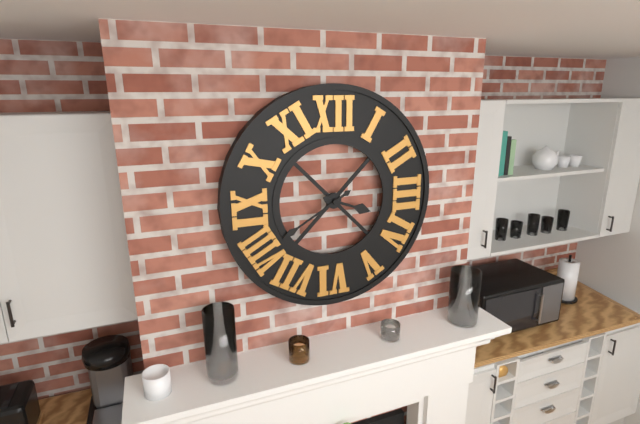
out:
{"hour": 3, "minute": 40}
